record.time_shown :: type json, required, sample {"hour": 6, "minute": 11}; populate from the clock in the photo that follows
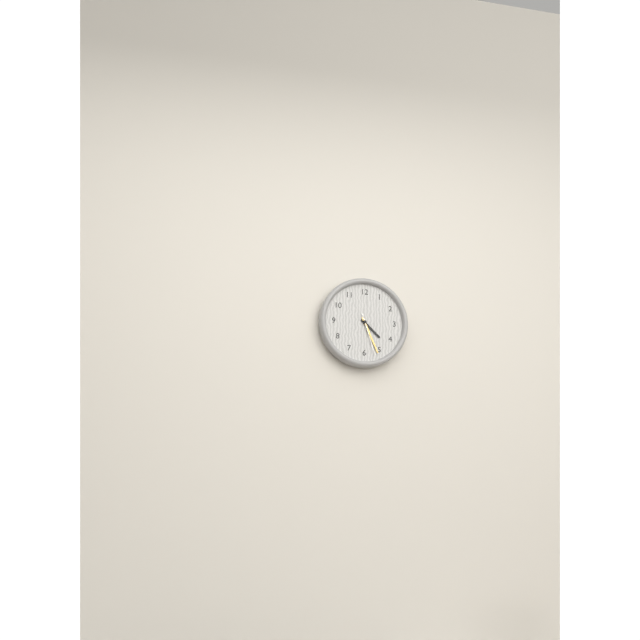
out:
{"hour": 4, "minute": 26}
